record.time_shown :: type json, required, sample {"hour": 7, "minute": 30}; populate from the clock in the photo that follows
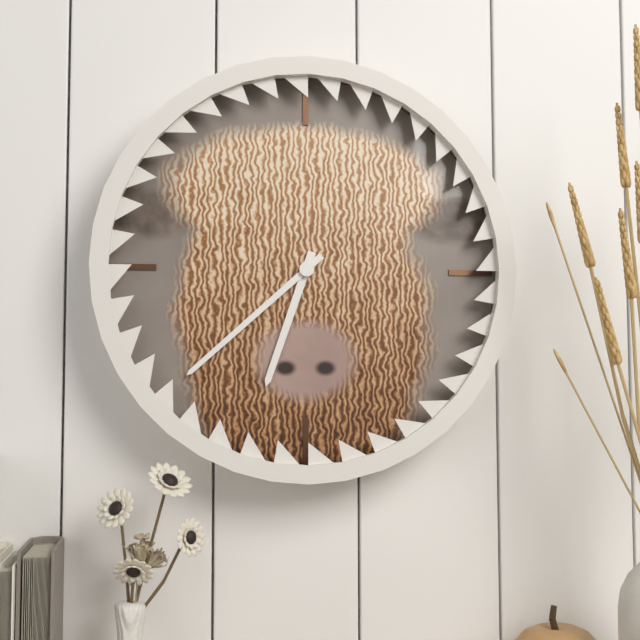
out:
{"hour": 6, "minute": 38}
